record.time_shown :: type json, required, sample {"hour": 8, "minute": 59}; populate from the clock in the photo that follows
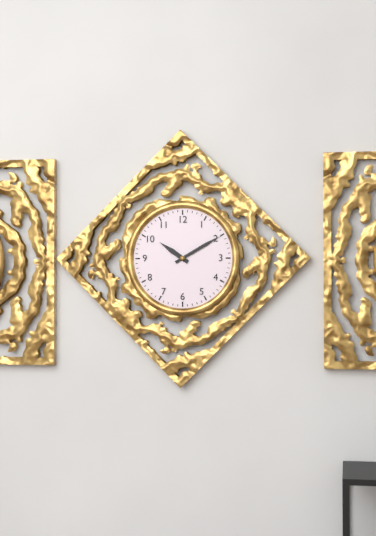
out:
{"hour": 10, "minute": 10}
